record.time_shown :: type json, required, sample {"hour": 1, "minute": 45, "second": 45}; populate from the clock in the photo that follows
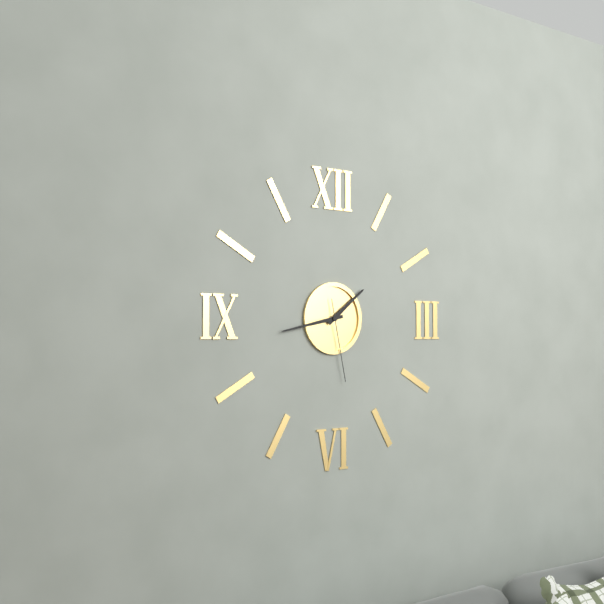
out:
{"hour": 1, "minute": 43, "second": 28}
